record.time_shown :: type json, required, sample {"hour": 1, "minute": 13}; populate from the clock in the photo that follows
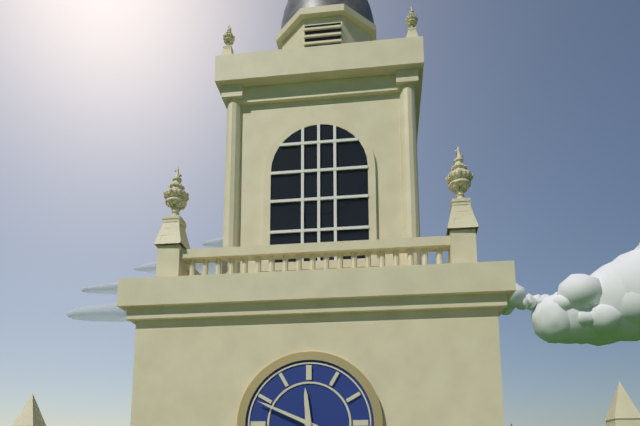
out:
{"hour": 11, "minute": 49}
